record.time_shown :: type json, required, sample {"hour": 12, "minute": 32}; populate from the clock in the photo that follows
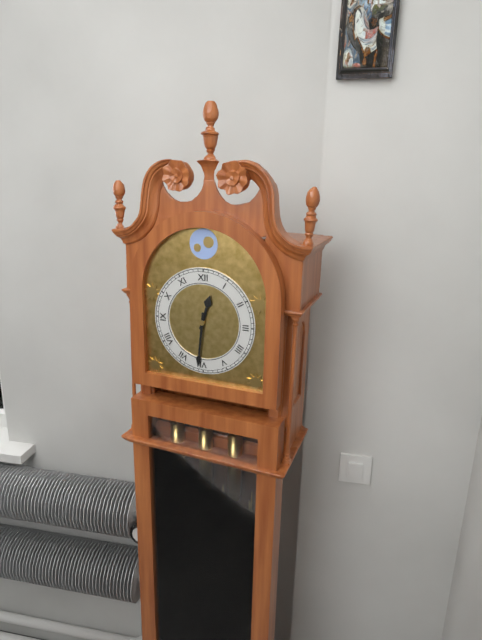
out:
{"hour": 12, "minute": 31}
